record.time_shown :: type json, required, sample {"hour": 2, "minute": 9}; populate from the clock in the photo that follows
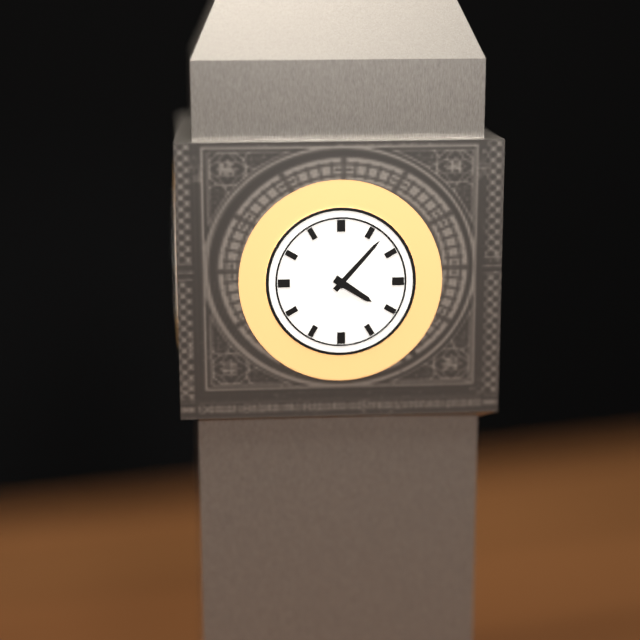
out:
{"hour": 4, "minute": 7}
